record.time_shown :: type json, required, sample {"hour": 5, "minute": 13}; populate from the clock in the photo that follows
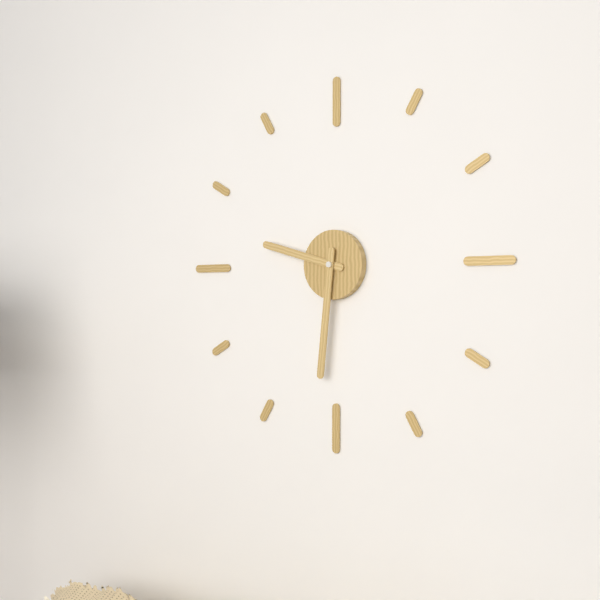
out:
{"hour": 9, "minute": 31}
